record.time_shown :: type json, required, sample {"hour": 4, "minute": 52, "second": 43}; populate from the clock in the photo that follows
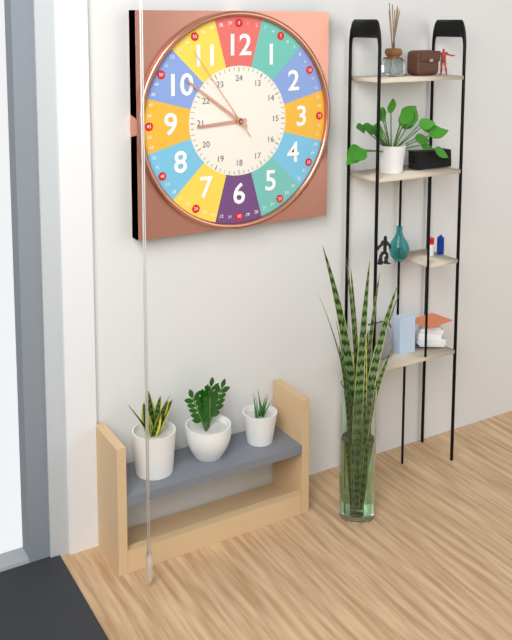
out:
{"hour": 8, "minute": 51, "second": 54}
